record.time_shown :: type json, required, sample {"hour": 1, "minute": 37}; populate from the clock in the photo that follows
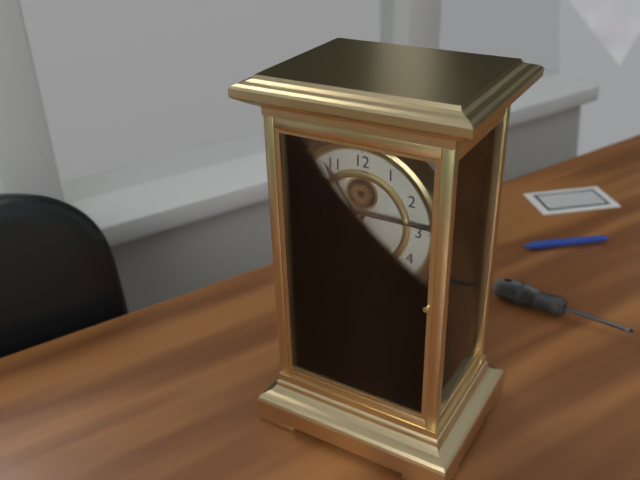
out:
{"hour": 6, "minute": 54}
